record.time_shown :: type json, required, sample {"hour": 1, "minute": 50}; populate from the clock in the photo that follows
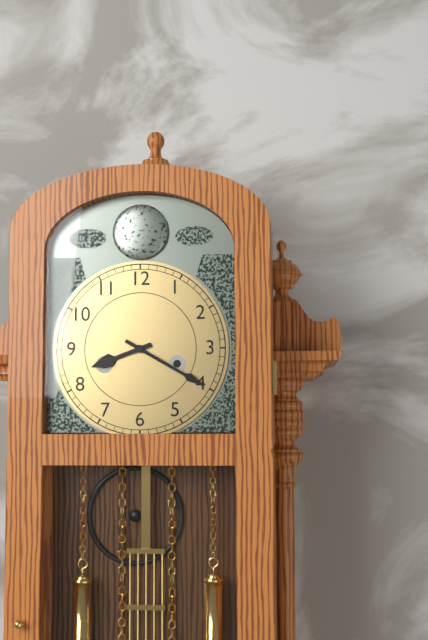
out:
{"hour": 8, "minute": 20}
